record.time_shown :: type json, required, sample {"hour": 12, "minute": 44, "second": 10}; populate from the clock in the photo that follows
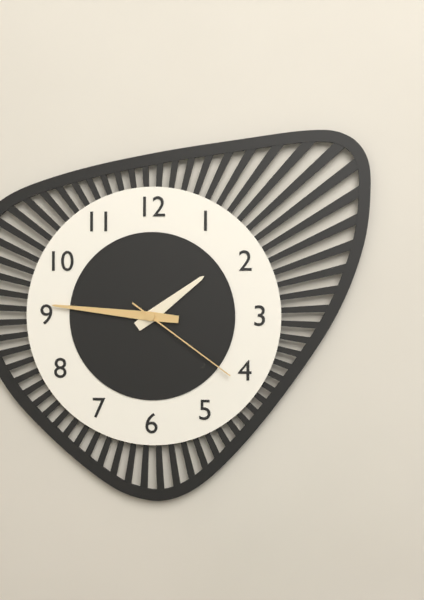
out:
{"hour": 1, "minute": 46, "second": 21}
